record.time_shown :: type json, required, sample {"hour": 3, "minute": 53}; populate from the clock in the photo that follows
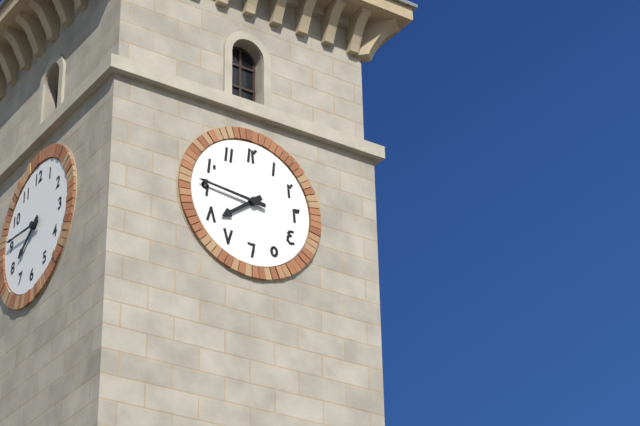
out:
{"hour": 7, "minute": 46}
